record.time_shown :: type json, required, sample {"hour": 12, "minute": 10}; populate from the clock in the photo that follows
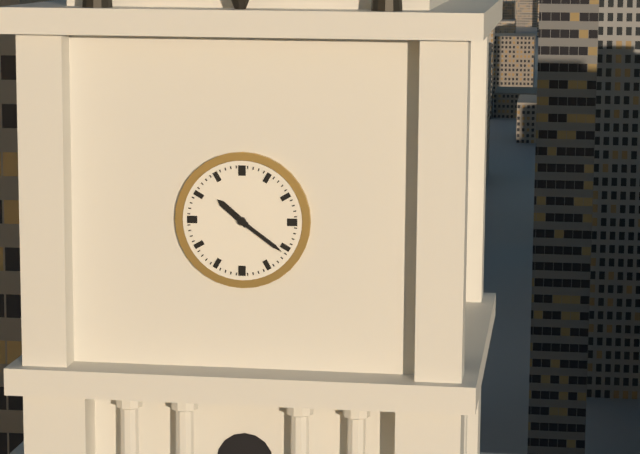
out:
{"hour": 10, "minute": 21}
